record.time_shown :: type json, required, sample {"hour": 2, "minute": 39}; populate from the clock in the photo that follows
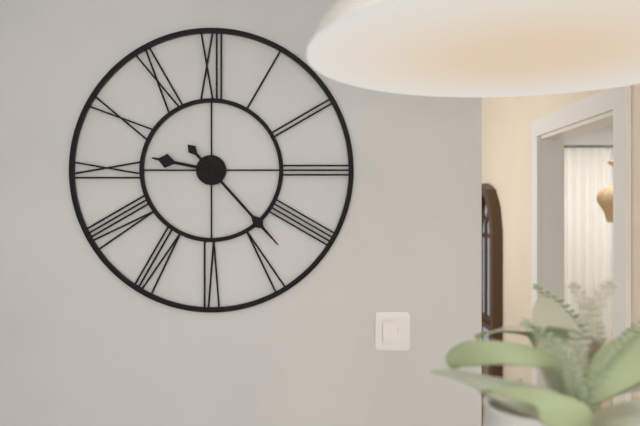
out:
{"hour": 9, "minute": 23}
